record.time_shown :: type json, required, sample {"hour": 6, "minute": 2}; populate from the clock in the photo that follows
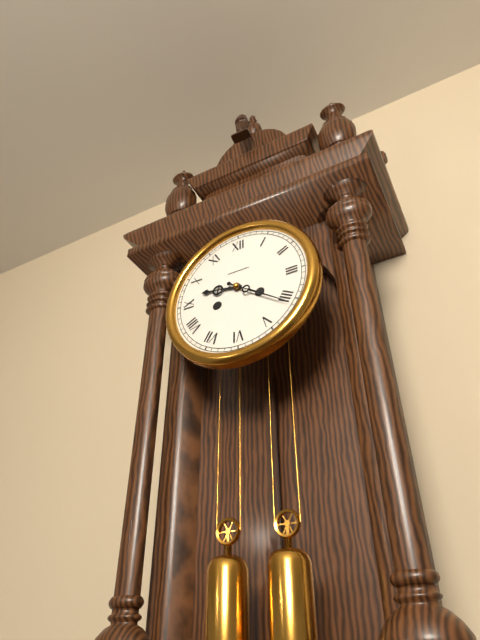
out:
{"hour": 9, "minute": 21}
